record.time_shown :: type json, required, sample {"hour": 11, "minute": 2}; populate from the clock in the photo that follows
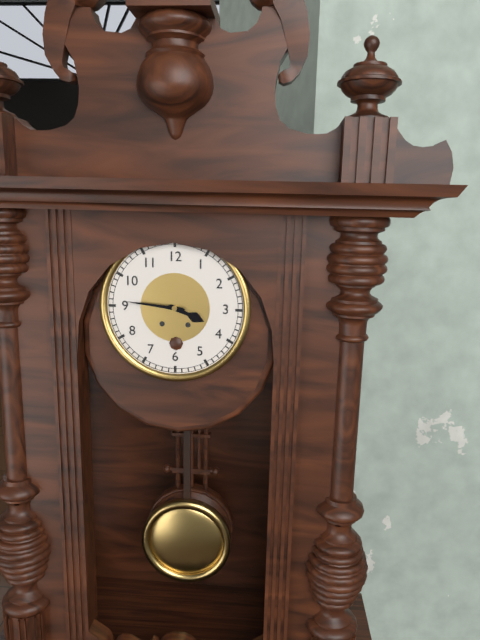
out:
{"hour": 3, "minute": 46}
